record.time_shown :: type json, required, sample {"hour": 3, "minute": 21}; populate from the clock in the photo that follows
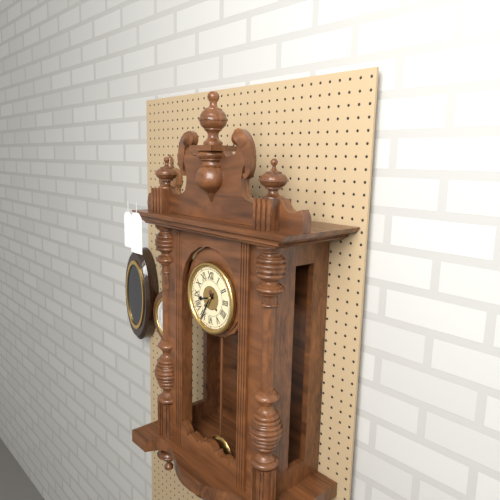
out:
{"hour": 8, "minute": 35}
